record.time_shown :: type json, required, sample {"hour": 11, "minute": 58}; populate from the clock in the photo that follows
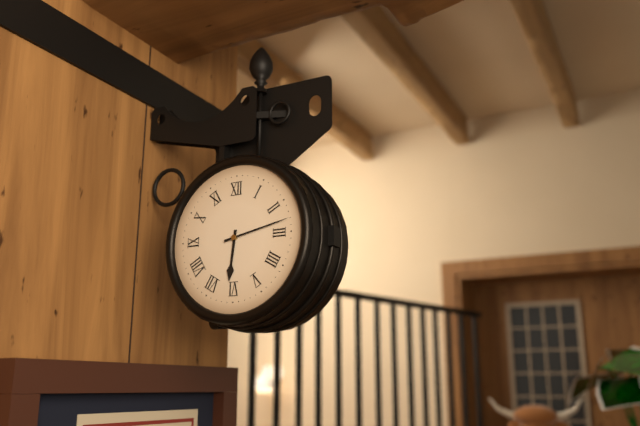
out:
{"hour": 6, "minute": 13}
